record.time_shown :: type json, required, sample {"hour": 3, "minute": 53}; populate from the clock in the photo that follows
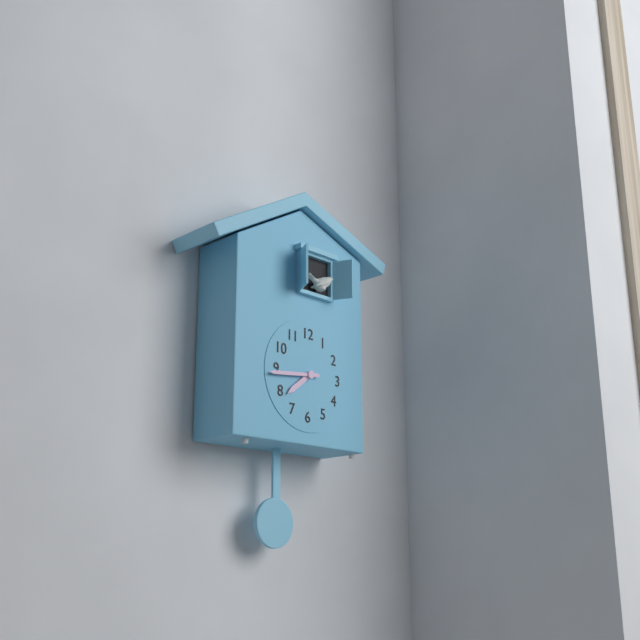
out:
{"hour": 7, "minute": 44}
